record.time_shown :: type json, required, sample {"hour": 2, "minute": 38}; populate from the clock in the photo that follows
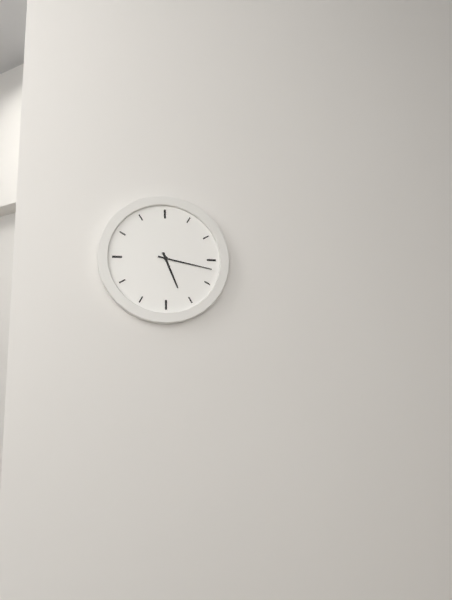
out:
{"hour": 5, "minute": 17}
